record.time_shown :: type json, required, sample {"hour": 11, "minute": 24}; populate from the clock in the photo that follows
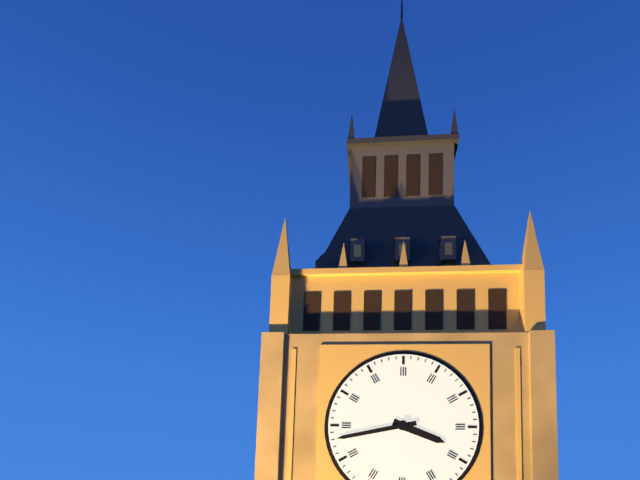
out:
{"hour": 3, "minute": 43}
